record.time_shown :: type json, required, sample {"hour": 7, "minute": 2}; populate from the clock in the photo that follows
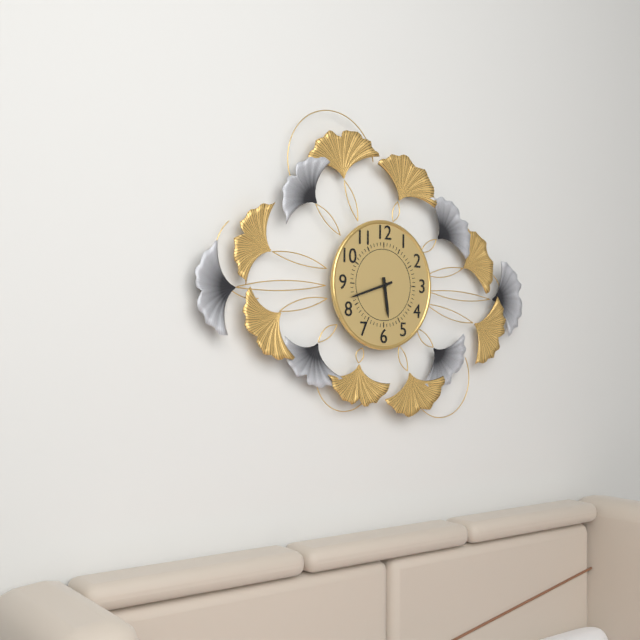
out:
{"hour": 5, "minute": 42}
